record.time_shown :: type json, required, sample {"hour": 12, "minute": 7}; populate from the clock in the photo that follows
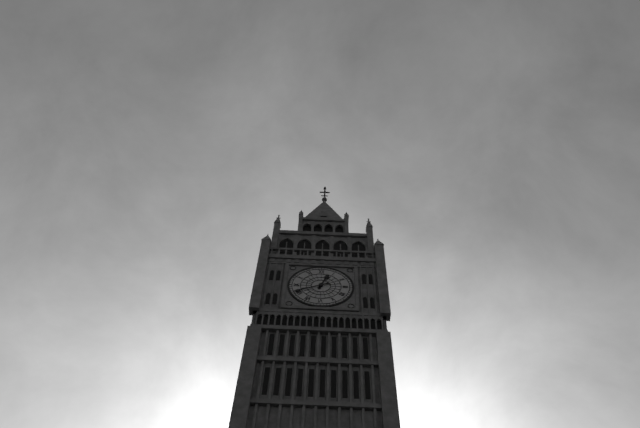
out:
{"hour": 12, "minute": 41}
